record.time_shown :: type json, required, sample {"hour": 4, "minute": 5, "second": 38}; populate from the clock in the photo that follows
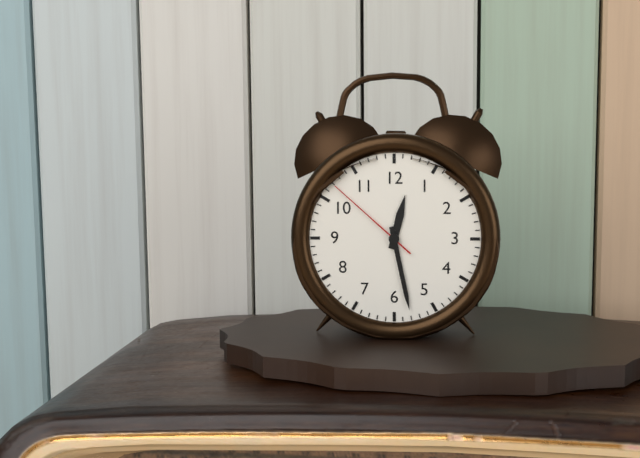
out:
{"hour": 12, "minute": 28, "second": 52}
